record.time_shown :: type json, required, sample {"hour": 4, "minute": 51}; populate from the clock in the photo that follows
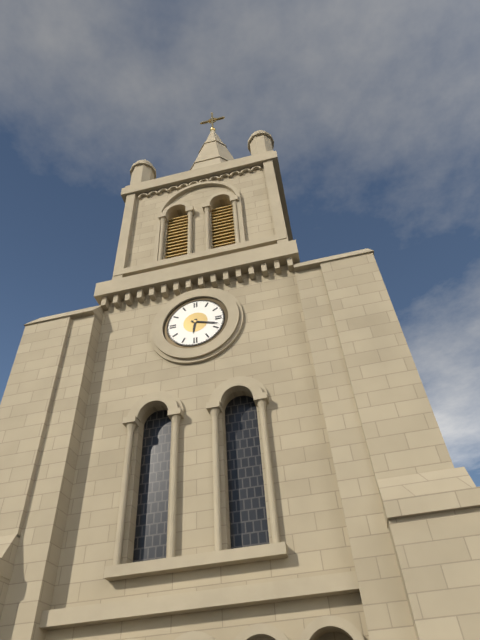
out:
{"hour": 6, "minute": 18}
